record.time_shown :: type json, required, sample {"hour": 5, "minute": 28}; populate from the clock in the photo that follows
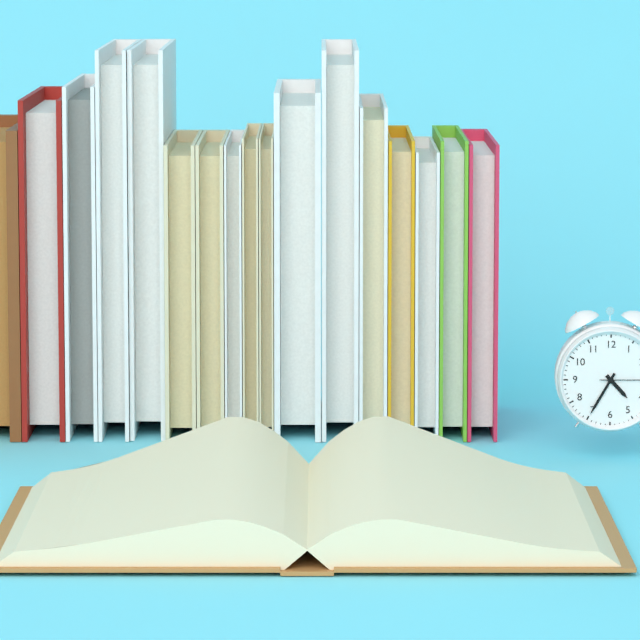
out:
{"hour": 4, "minute": 35}
